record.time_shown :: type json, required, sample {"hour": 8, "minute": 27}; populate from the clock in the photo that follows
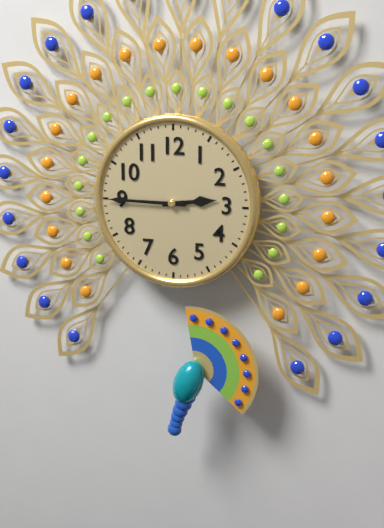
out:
{"hour": 2, "minute": 45}
